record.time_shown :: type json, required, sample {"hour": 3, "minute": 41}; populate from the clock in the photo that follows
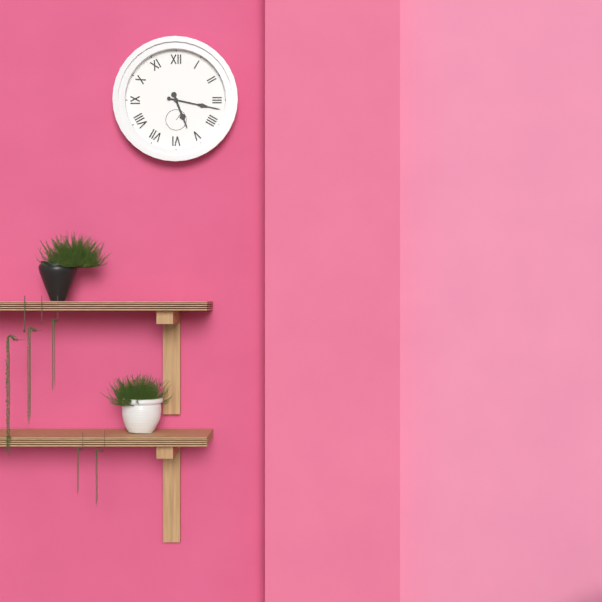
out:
{"hour": 5, "minute": 17}
